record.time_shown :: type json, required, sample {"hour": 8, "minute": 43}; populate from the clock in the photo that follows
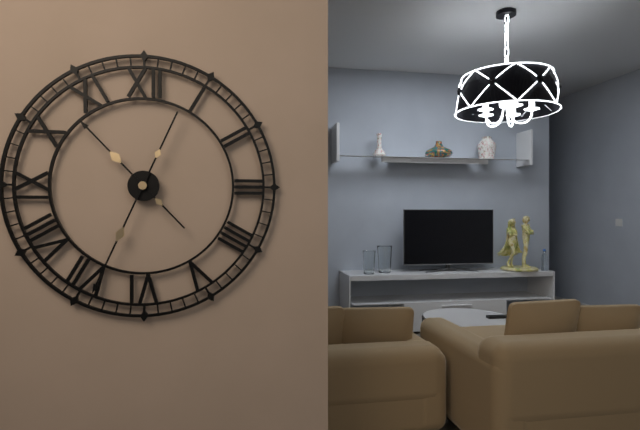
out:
{"hour": 10, "minute": 34}
